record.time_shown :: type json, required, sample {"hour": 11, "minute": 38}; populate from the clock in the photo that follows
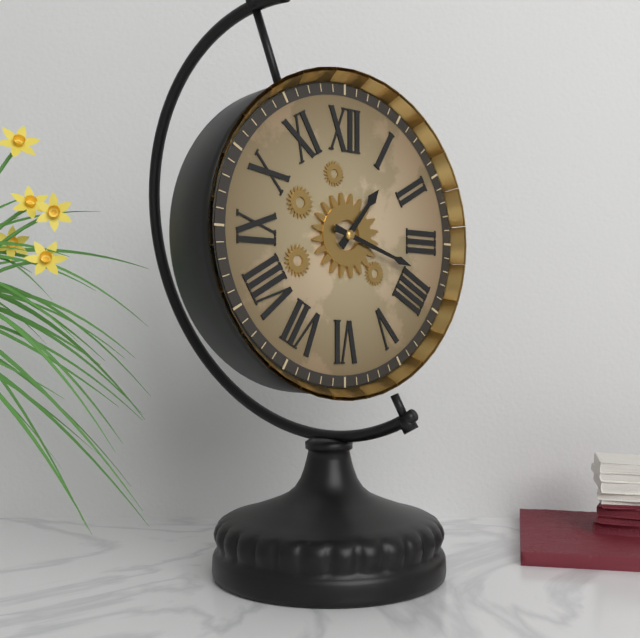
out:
{"hour": 1, "minute": 18}
